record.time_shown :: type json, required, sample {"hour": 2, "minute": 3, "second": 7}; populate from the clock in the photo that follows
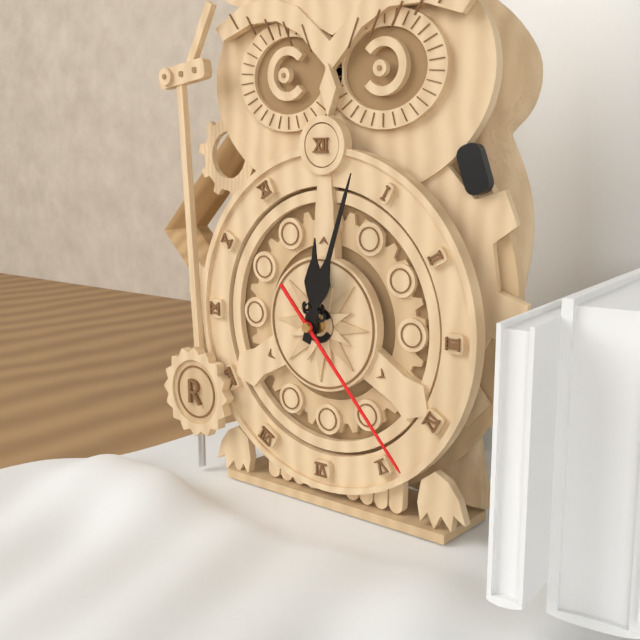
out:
{"hour": 12, "minute": 3, "second": 23}
